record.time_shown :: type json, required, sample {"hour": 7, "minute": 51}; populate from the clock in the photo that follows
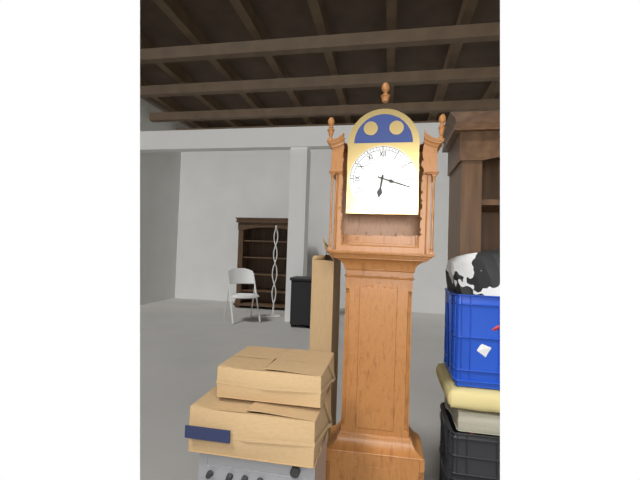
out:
{"hour": 6, "minute": 18}
